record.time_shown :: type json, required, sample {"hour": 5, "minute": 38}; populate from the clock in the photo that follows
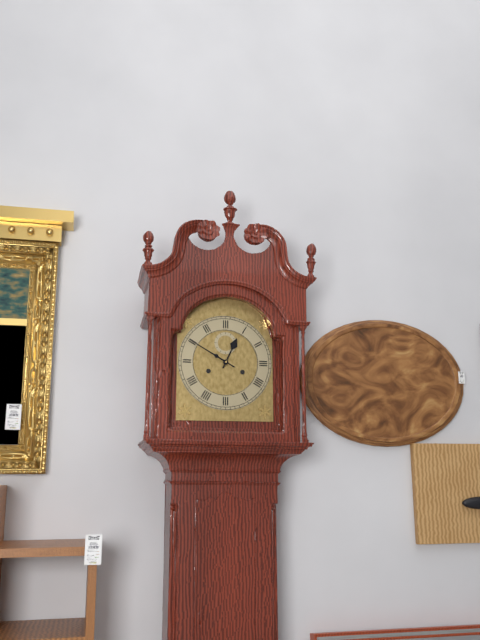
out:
{"hour": 12, "minute": 50}
